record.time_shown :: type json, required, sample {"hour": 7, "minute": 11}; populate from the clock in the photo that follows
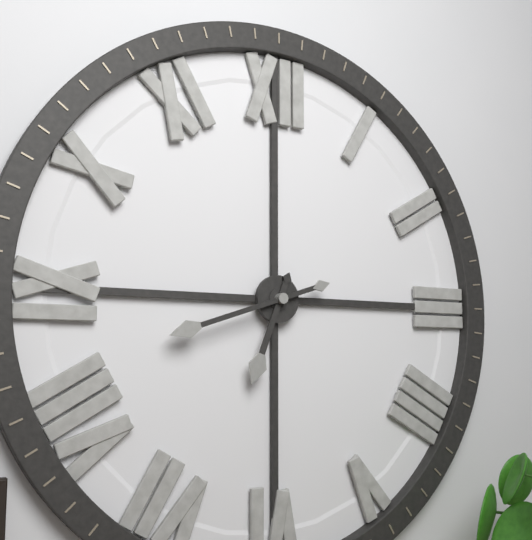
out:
{"hour": 6, "minute": 42}
